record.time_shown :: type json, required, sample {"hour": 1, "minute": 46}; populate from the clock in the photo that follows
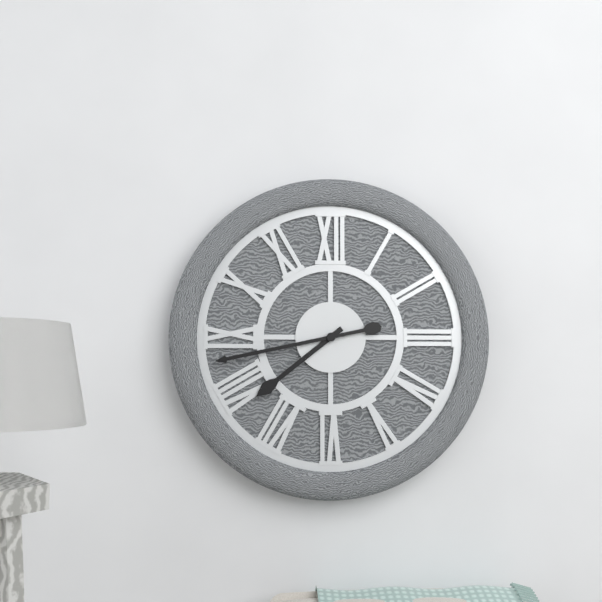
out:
{"hour": 7, "minute": 43}
